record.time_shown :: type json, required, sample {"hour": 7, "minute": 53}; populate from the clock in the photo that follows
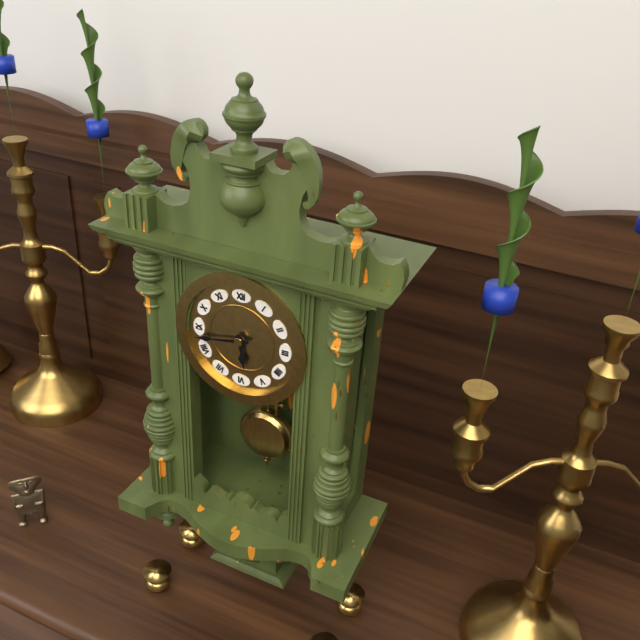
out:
{"hour": 5, "minute": 43}
